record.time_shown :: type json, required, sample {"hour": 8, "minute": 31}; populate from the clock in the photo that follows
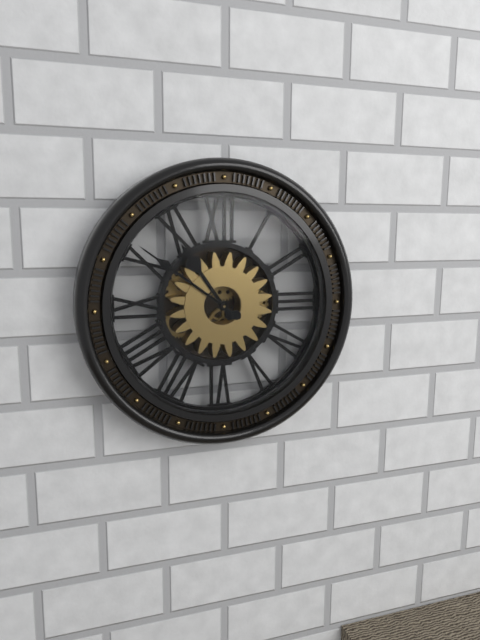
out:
{"hour": 10, "minute": 51}
